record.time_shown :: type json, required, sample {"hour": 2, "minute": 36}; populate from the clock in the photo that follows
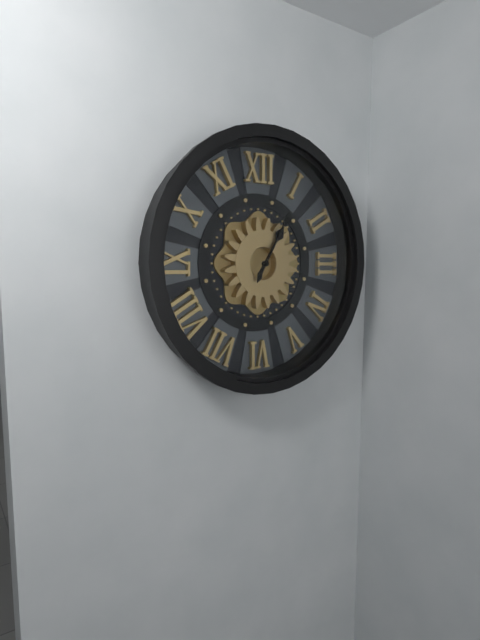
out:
{"hour": 1, "minute": 5}
